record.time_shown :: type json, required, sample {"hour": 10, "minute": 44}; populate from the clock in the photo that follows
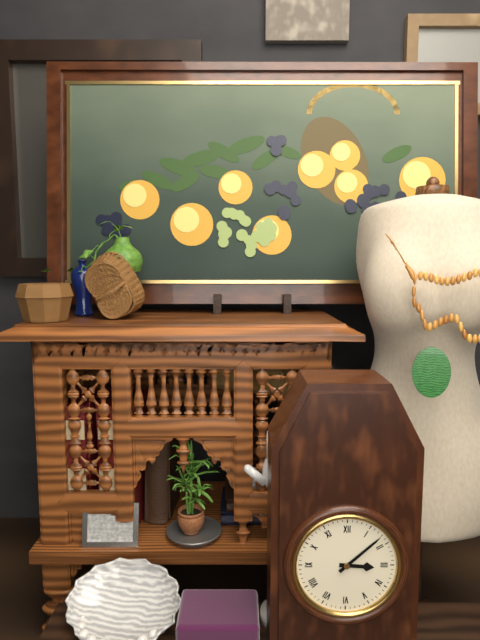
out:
{"hour": 3, "minute": 8}
